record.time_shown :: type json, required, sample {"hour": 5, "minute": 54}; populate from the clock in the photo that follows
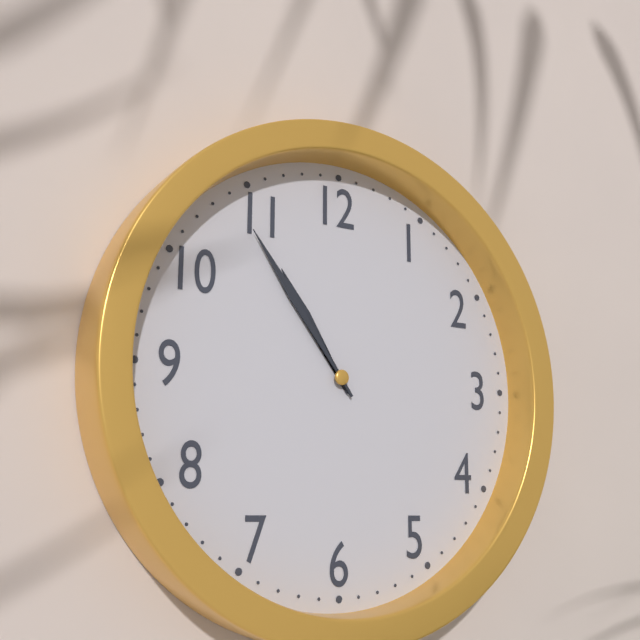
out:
{"hour": 10, "minute": 54}
